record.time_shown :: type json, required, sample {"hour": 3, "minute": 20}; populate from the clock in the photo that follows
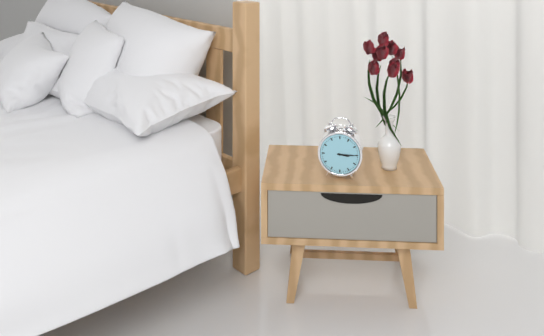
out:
{"hour": 3, "minute": 15}
